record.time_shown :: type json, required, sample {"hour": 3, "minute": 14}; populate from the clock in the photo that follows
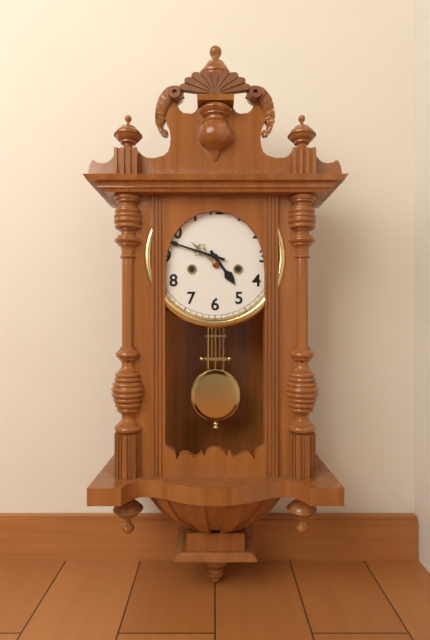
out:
{"hour": 4, "minute": 48}
